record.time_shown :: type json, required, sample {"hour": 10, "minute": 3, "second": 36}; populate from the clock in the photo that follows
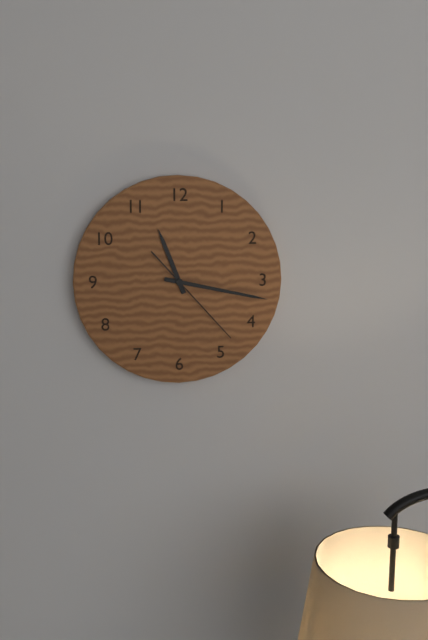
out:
{"hour": 11, "minute": 17, "second": 23}
